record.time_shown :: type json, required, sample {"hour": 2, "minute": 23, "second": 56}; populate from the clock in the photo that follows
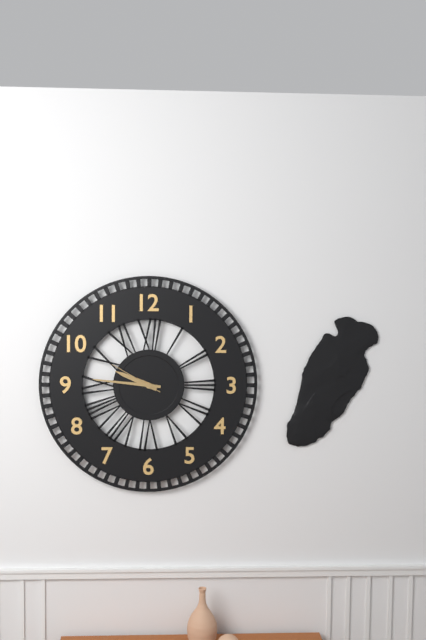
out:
{"hour": 9, "minute": 46, "second": 50}
